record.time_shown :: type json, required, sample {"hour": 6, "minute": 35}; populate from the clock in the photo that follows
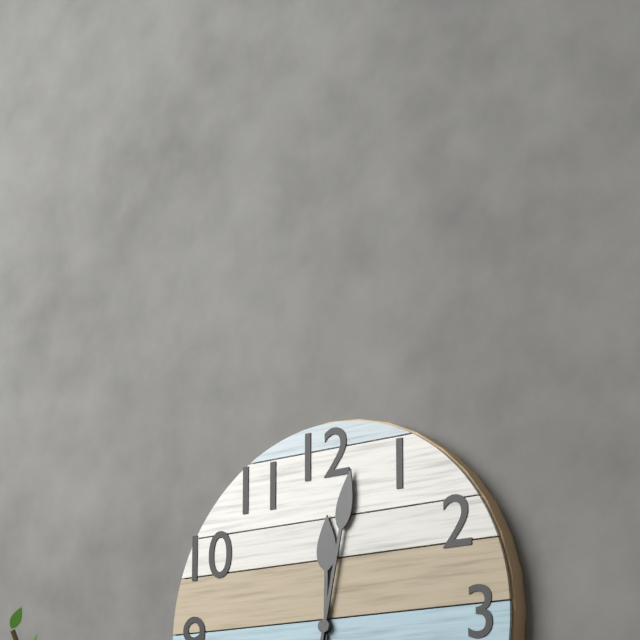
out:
{"hour": 12, "minute": 2}
